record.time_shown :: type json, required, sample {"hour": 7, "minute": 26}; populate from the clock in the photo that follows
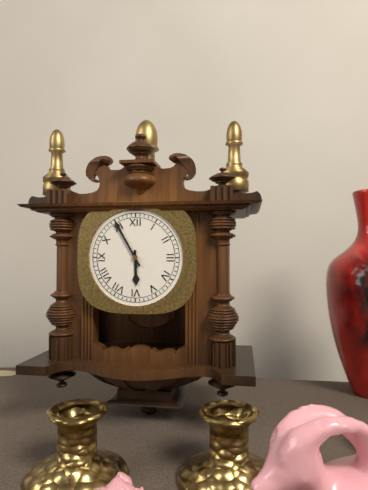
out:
{"hour": 5, "minute": 55}
